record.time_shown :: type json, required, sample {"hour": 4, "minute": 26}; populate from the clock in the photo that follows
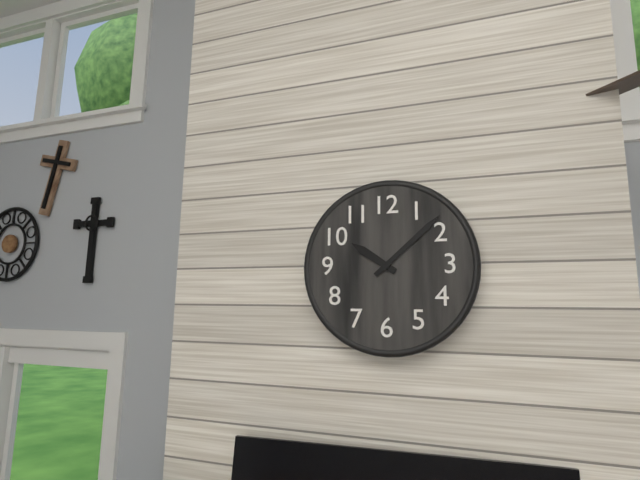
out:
{"hour": 10, "minute": 8}
